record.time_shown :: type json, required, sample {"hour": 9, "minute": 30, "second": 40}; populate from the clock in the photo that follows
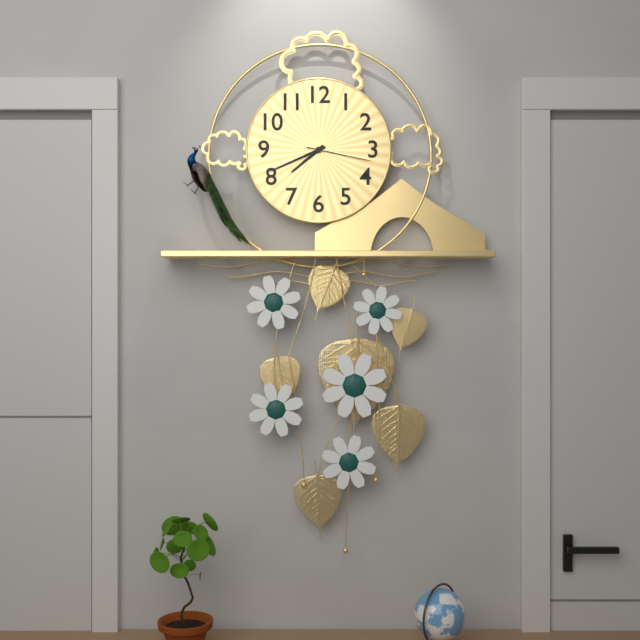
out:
{"hour": 7, "minute": 41, "second": 17}
